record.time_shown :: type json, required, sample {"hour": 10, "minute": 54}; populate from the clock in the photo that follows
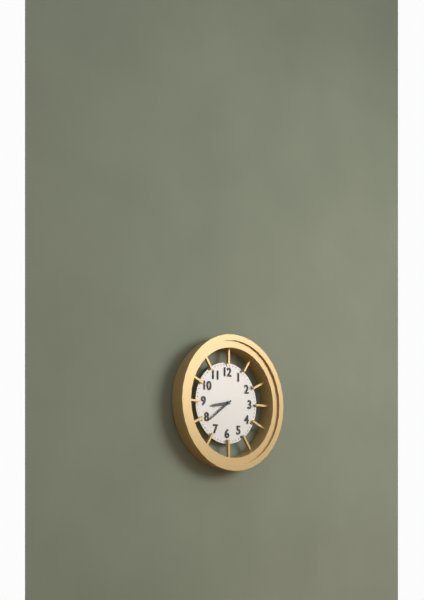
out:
{"hour": 8, "minute": 39}
